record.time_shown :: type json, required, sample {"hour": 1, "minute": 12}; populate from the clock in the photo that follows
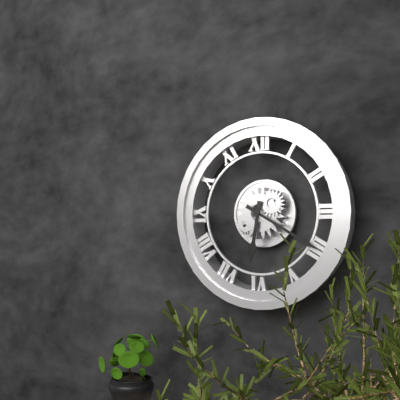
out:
{"hour": 6, "minute": 20}
